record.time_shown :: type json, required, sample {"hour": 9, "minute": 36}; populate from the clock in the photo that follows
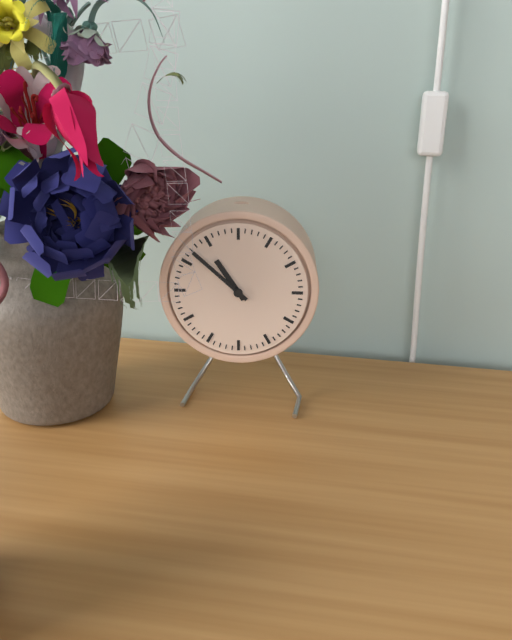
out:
{"hour": 10, "minute": 52}
